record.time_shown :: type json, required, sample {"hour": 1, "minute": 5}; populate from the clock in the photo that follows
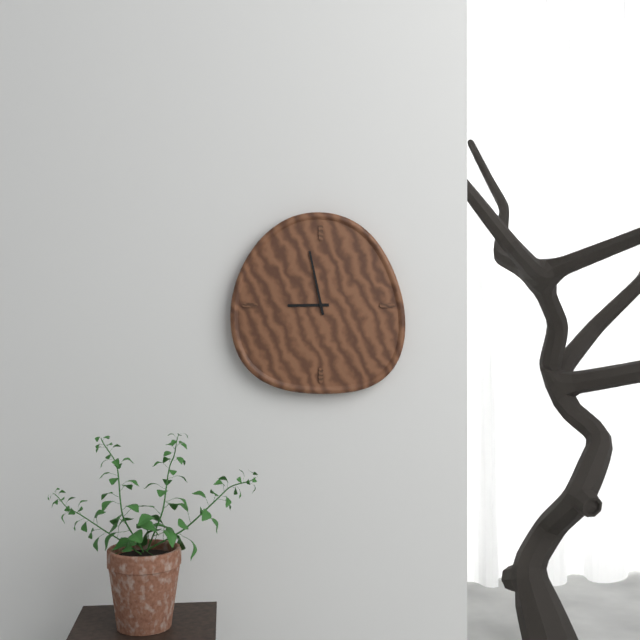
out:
{"hour": 8, "minute": 58}
